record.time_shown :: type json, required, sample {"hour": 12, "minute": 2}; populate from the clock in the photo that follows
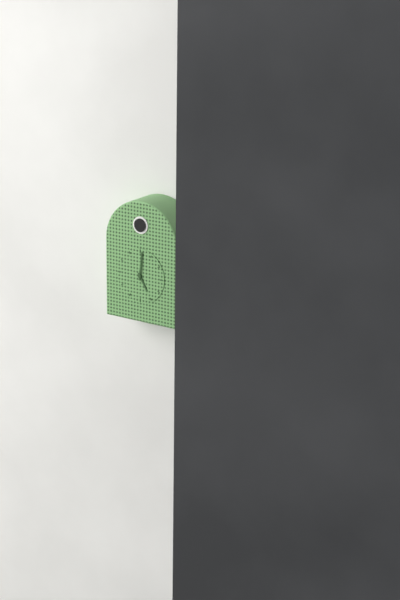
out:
{"hour": 5, "minute": 1}
